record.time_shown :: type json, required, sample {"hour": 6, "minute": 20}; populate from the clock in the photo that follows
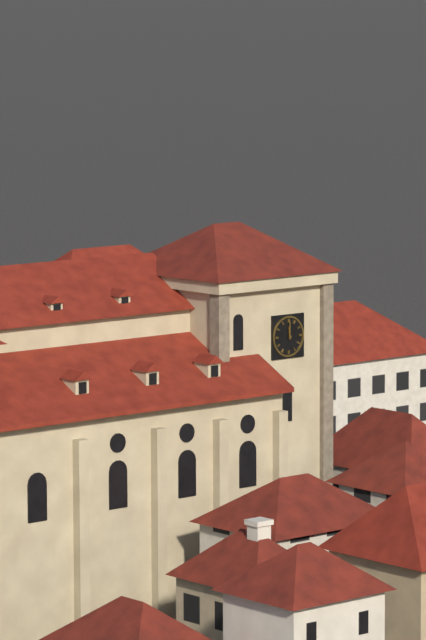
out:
{"hour": 12, "minute": 0}
